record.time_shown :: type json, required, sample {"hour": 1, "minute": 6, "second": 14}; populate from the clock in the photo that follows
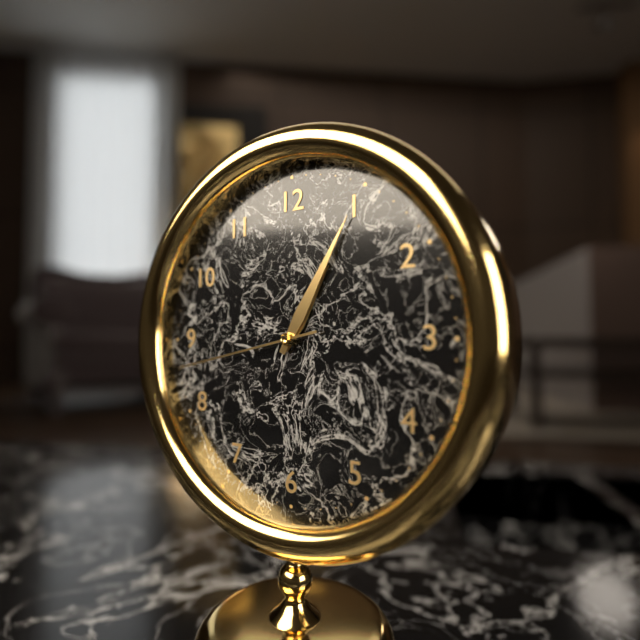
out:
{"hour": 1, "minute": 5, "second": 43}
